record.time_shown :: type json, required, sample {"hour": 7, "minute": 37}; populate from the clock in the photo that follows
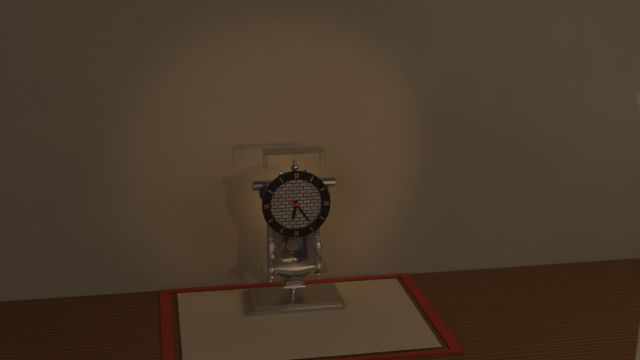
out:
{"hour": 6, "minute": 24}
